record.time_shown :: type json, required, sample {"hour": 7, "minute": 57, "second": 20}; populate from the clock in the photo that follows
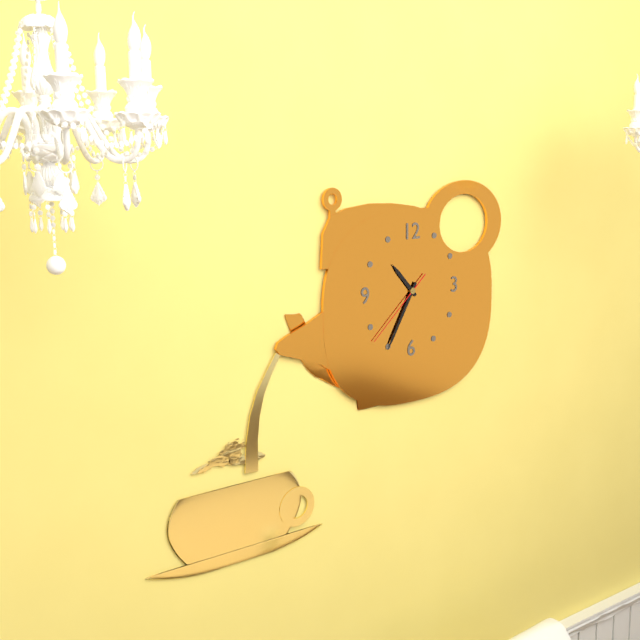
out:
{"hour": 10, "minute": 35, "second": 38}
